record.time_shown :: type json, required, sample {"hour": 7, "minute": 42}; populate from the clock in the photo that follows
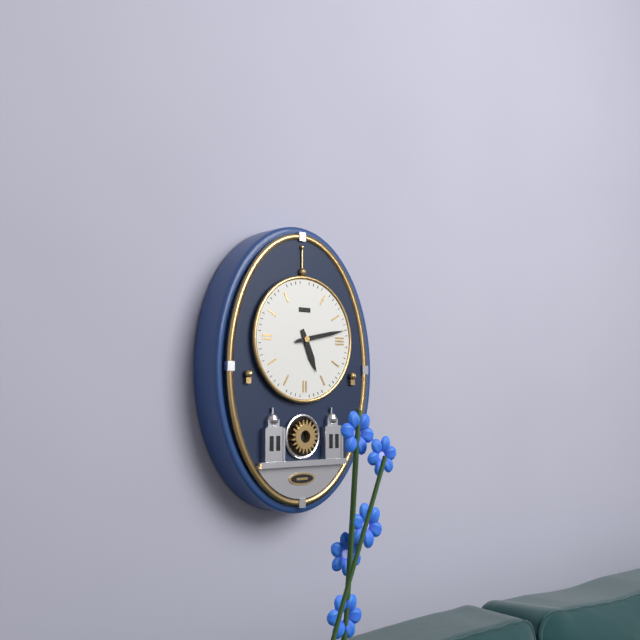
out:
{"hour": 5, "minute": 13}
